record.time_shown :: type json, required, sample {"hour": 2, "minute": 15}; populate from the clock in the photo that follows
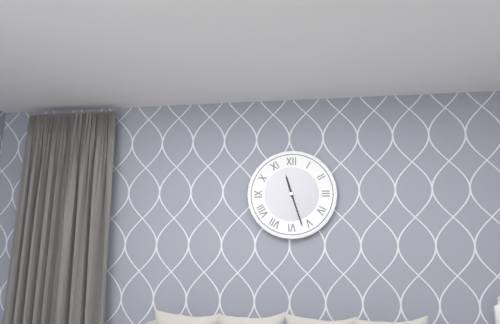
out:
{"hour": 11, "minute": 27}
